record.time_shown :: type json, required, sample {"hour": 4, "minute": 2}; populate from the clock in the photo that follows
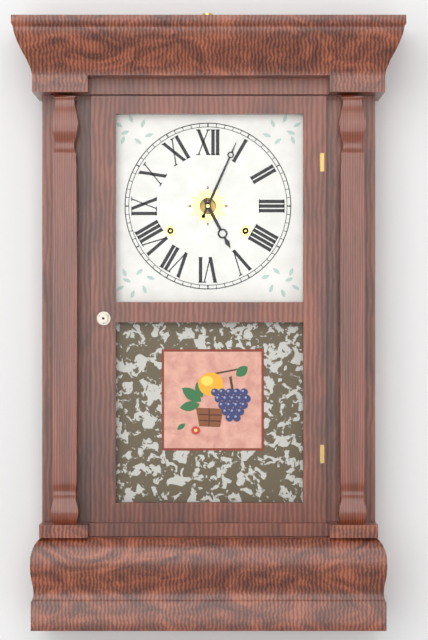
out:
{"hour": 5, "minute": 4}
